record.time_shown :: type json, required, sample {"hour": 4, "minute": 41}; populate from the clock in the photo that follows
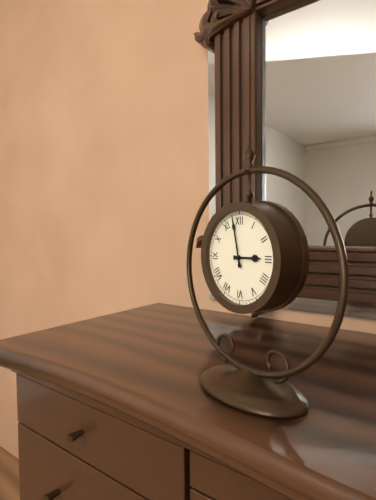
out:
{"hour": 2, "minute": 58}
